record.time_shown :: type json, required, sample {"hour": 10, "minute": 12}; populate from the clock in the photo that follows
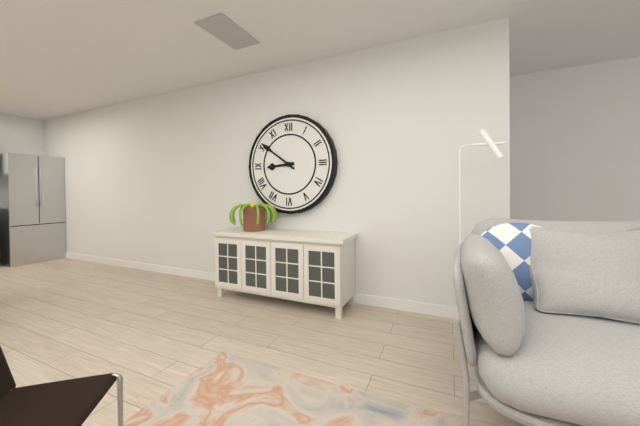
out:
{"hour": 8, "minute": 51}
